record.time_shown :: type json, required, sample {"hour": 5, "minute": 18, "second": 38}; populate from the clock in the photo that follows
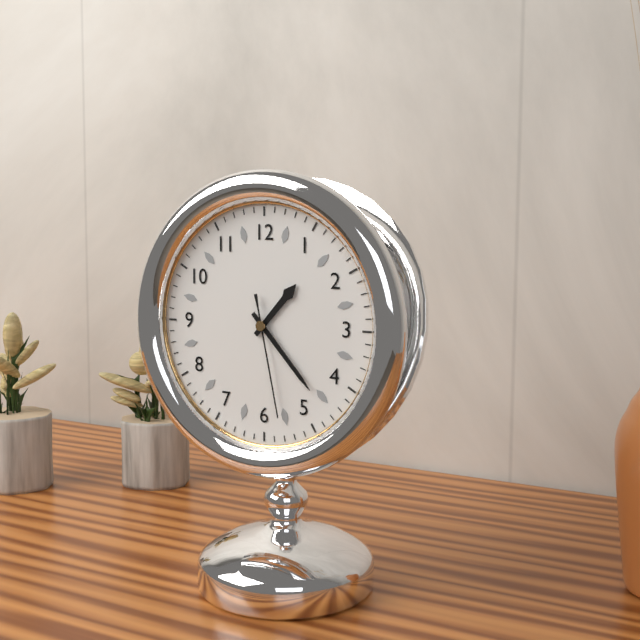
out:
{"hour": 1, "minute": 23, "second": 28}
